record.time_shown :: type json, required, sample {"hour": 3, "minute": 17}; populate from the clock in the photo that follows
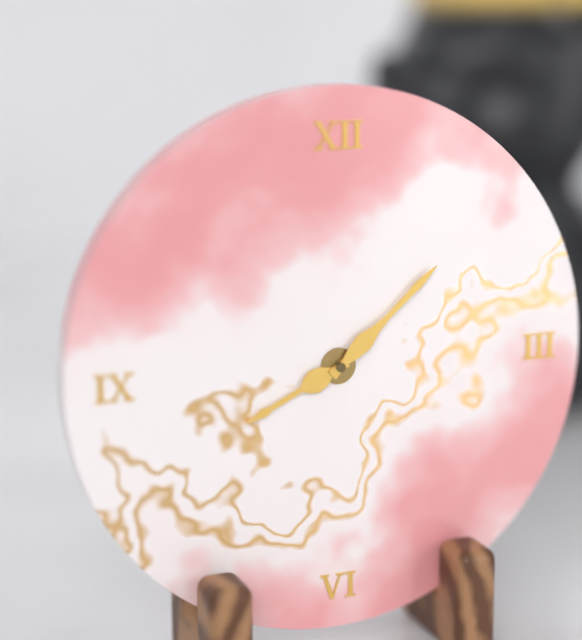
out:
{"hour": 8, "minute": 8}
